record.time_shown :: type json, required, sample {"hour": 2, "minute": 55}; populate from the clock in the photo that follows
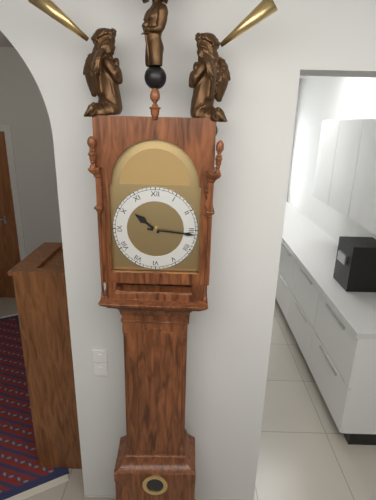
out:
{"hour": 10, "minute": 16}
